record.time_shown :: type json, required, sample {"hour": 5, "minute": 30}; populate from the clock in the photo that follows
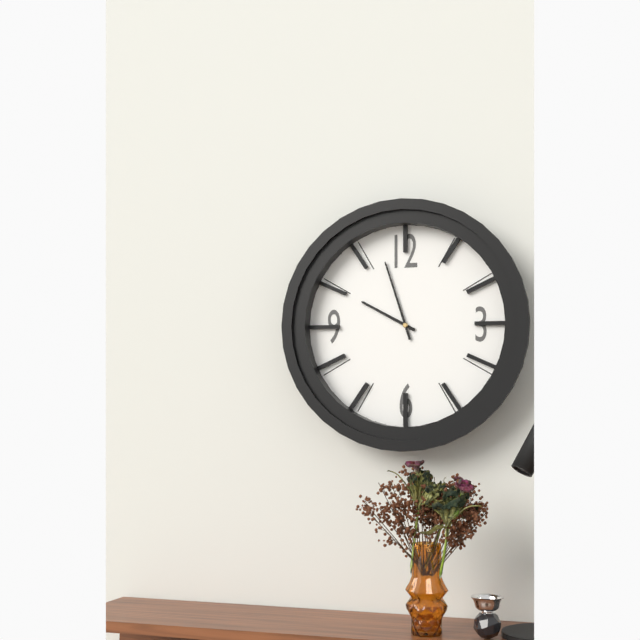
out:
{"hour": 9, "minute": 57}
